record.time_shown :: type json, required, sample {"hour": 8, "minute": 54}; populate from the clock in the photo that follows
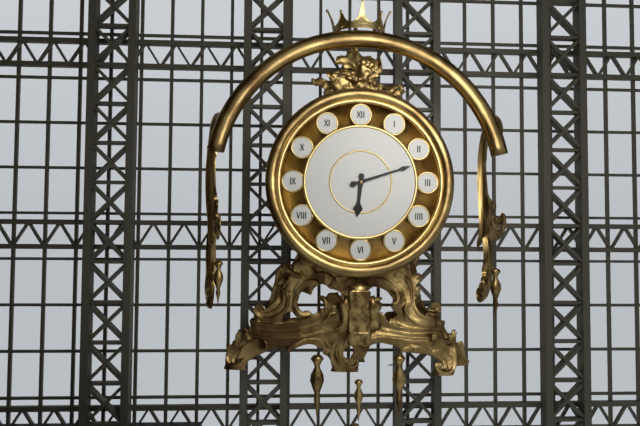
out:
{"hour": 6, "minute": 12}
